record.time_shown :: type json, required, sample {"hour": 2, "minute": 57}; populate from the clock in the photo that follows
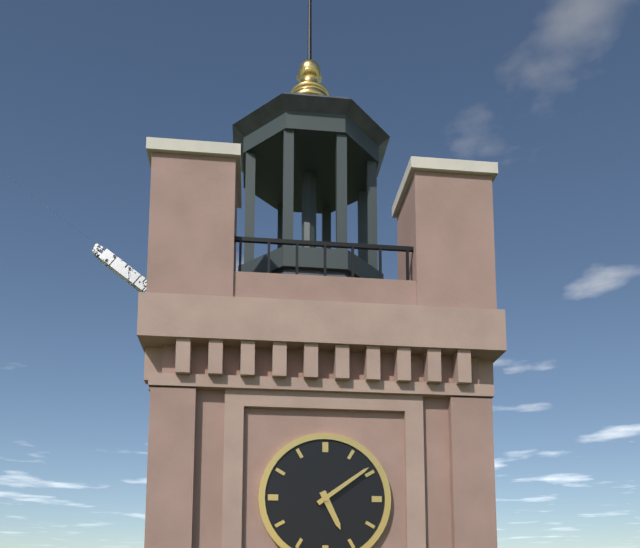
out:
{"hour": 5, "minute": 9}
